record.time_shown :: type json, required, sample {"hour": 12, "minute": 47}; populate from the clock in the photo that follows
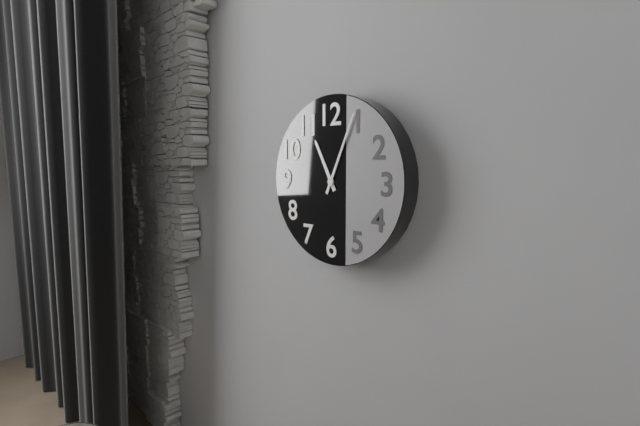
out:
{"hour": 11, "minute": 4}
